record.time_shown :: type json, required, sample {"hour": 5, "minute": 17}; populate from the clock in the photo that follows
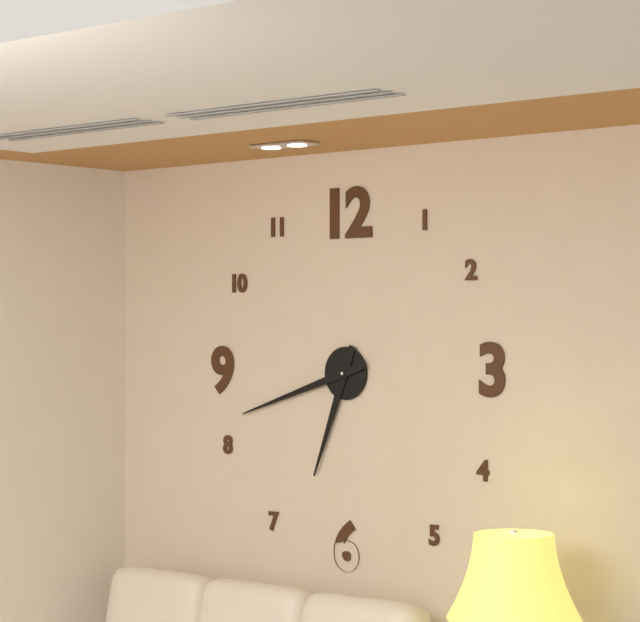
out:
{"hour": 6, "minute": 42}
